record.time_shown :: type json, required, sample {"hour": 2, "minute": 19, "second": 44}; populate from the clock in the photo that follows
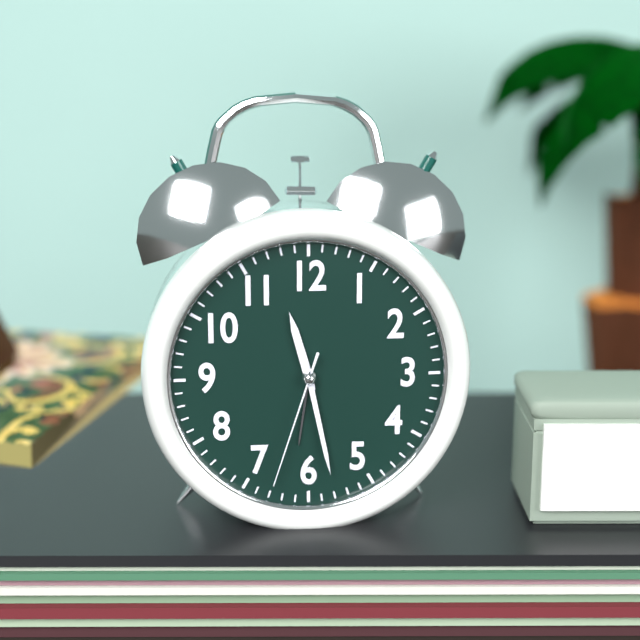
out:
{"hour": 11, "minute": 28, "second": 33}
